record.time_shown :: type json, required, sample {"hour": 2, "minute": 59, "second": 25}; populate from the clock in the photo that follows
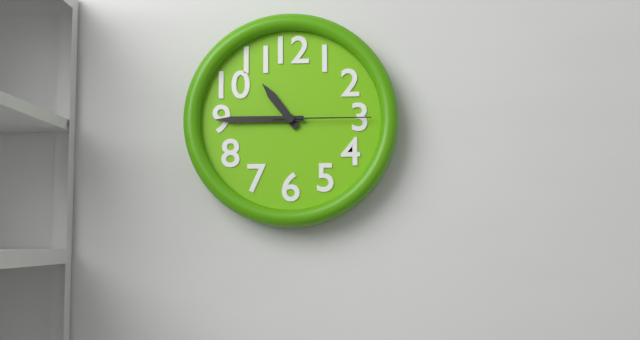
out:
{"hour": 10, "minute": 45, "second": 15}
